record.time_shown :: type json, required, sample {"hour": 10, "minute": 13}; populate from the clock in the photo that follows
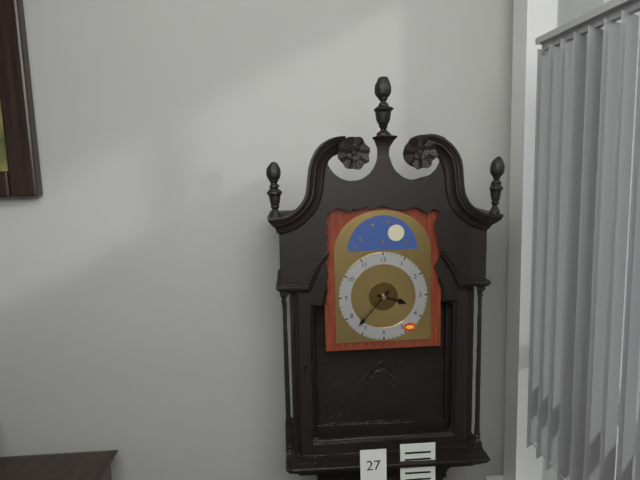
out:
{"hour": 3, "minute": 37}
